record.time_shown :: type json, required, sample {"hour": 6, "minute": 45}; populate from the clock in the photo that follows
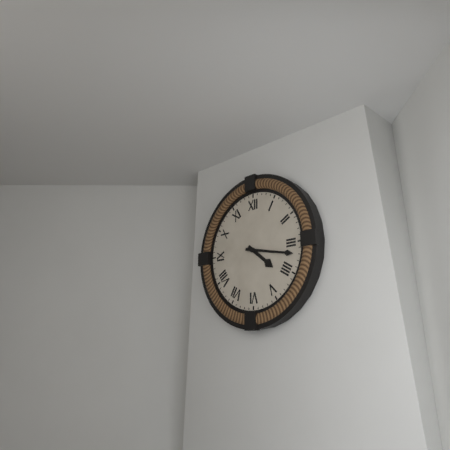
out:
{"hour": 4, "minute": 17}
